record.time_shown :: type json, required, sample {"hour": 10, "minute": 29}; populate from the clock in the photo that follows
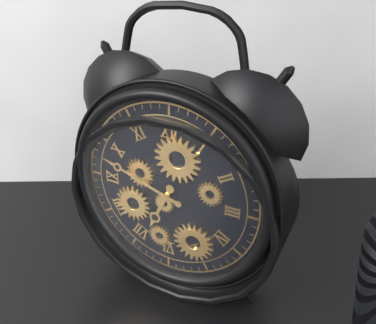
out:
{"hour": 6, "minute": 48}
